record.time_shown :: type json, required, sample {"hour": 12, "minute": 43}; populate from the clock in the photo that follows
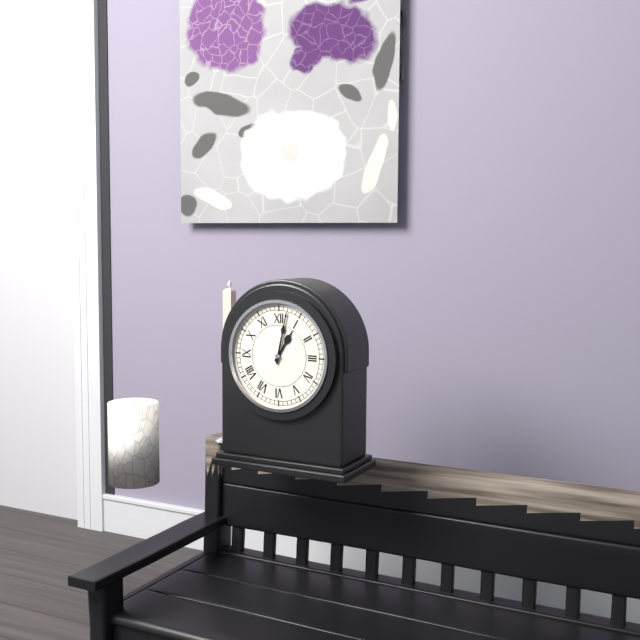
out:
{"hour": 1, "minute": 2}
